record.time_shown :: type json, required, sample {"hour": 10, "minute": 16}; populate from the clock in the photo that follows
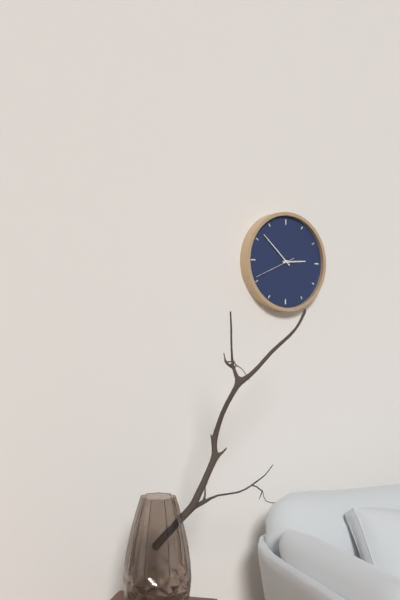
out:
{"hour": 2, "minute": 52}
